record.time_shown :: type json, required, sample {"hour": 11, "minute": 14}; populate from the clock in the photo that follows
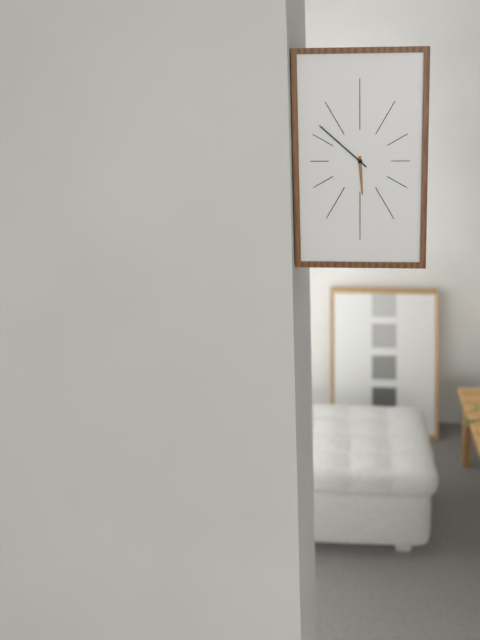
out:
{"hour": 5, "minute": 52}
